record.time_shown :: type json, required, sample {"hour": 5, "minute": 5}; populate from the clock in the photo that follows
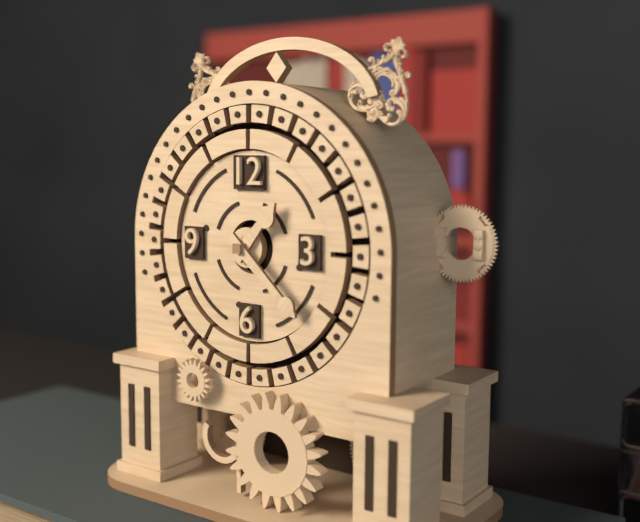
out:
{"hour": 1, "minute": 22}
